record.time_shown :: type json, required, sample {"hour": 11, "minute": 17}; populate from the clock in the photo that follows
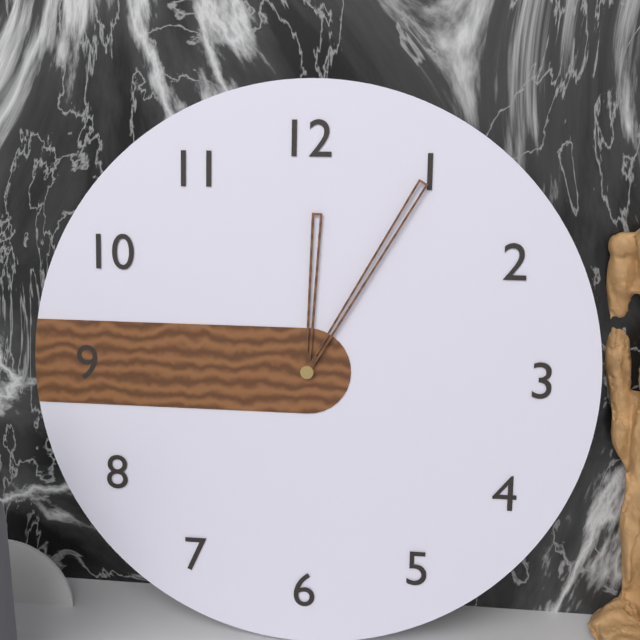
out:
{"hour": 12, "minute": 5}
